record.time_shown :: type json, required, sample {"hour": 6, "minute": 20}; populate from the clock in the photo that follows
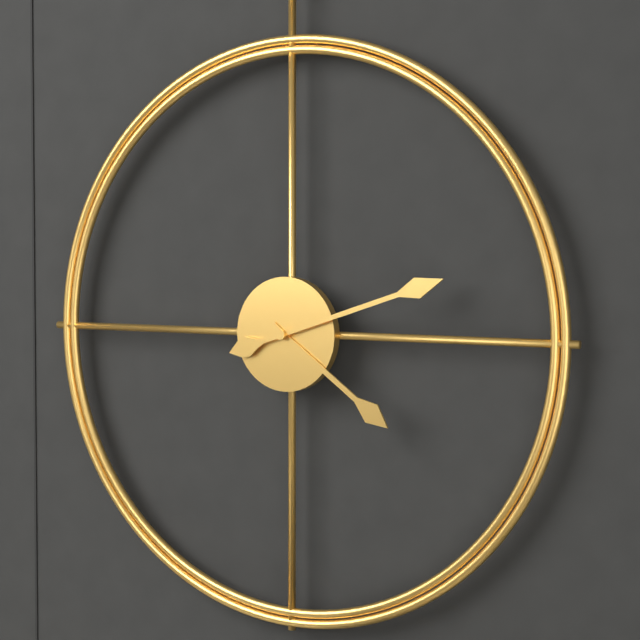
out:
{"hour": 4, "minute": 12}
